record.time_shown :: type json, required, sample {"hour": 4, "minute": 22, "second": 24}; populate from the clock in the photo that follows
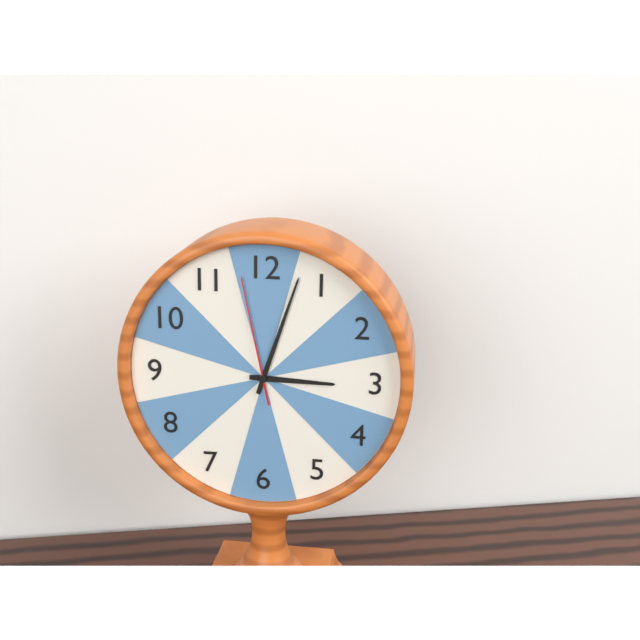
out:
{"hour": 3, "minute": 3, "second": 58}
